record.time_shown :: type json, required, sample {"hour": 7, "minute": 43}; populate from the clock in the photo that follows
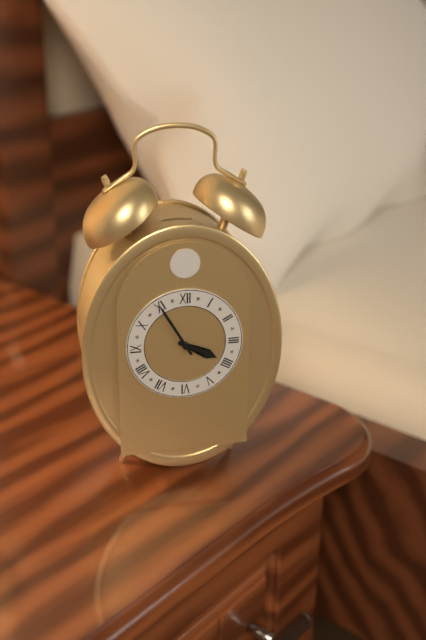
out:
{"hour": 3, "minute": 55}
